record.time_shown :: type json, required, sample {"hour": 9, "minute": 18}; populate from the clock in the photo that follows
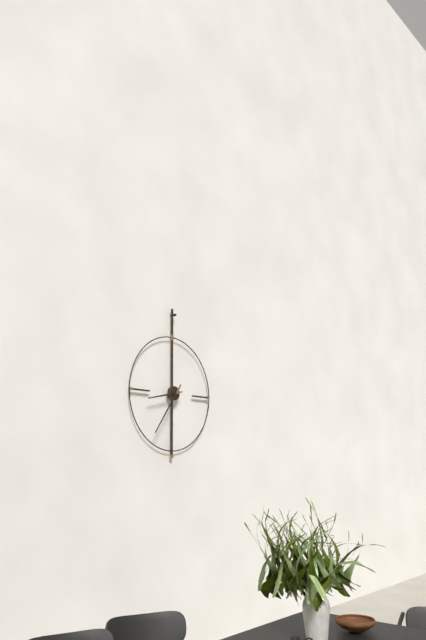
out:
{"hour": 8, "minute": 36}
